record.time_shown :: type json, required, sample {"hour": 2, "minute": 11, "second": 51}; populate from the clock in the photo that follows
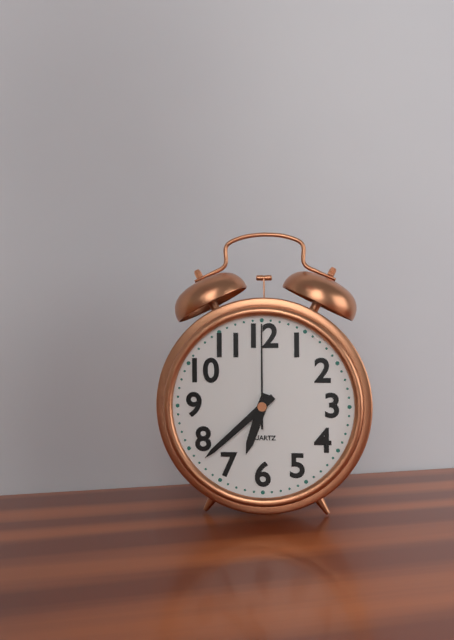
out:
{"hour": 6, "minute": 38, "second": 0}
